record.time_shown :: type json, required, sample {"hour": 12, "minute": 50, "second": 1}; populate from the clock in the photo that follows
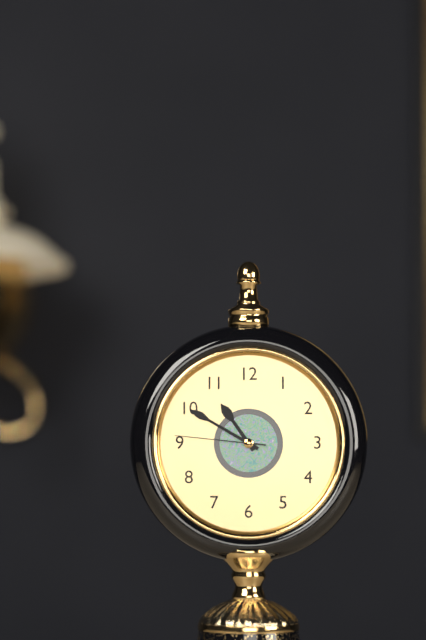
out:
{"hour": 10, "minute": 50, "second": 46}
